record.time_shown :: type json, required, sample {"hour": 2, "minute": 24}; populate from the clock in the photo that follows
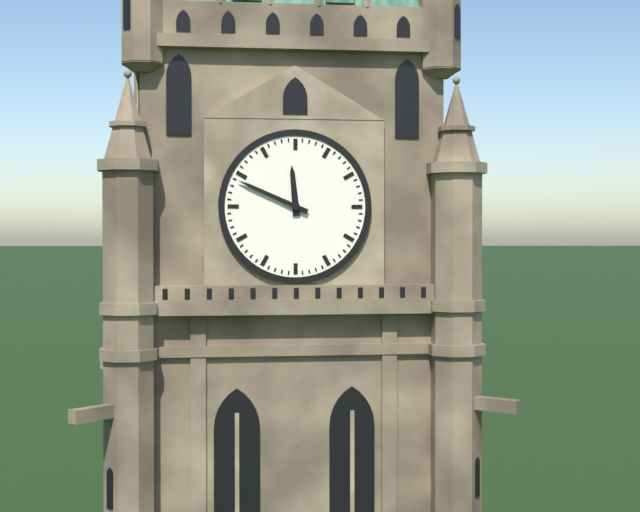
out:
{"hour": 11, "minute": 49}
